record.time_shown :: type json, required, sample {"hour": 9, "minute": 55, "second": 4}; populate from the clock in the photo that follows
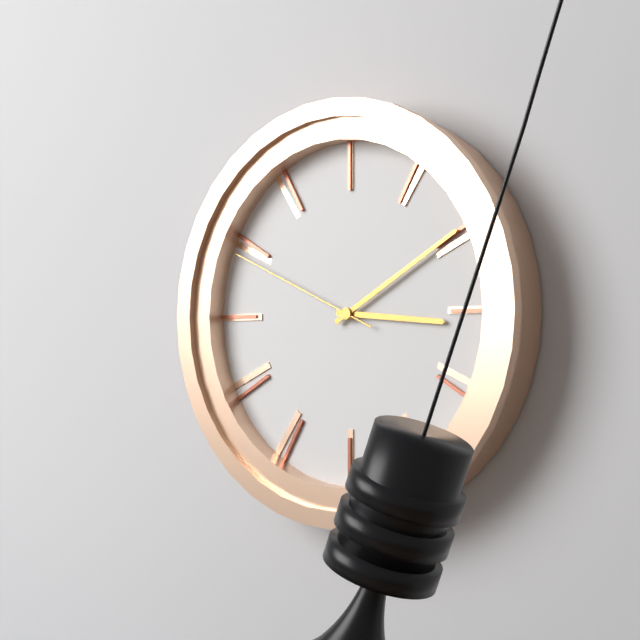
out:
{"hour": 3, "minute": 10, "second": 49}
